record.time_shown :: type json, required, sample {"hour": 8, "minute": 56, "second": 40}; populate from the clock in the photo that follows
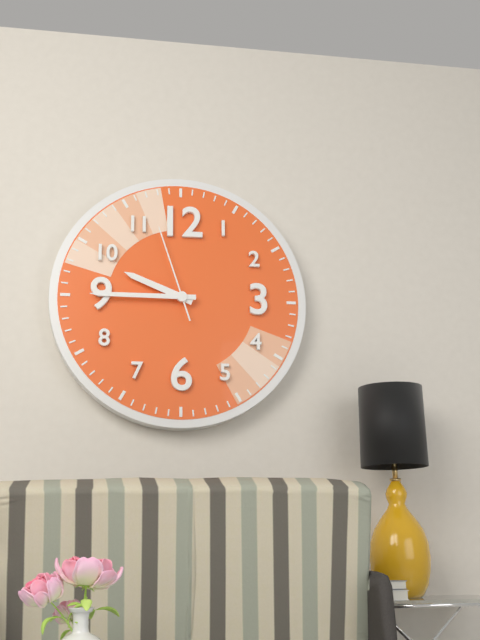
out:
{"hour": 9, "minute": 45, "second": 57}
